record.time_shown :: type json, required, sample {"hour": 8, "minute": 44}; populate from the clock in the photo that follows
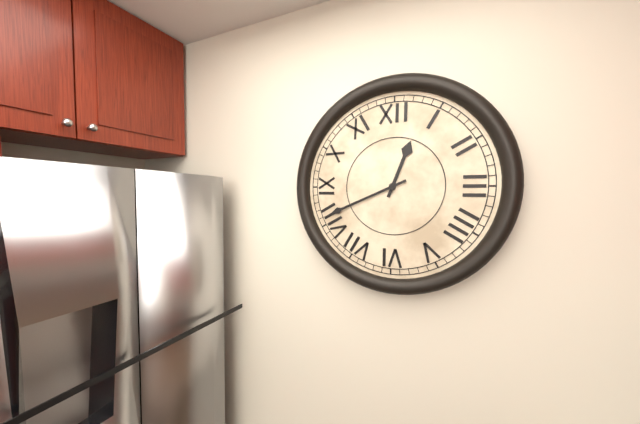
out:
{"hour": 12, "minute": 41}
